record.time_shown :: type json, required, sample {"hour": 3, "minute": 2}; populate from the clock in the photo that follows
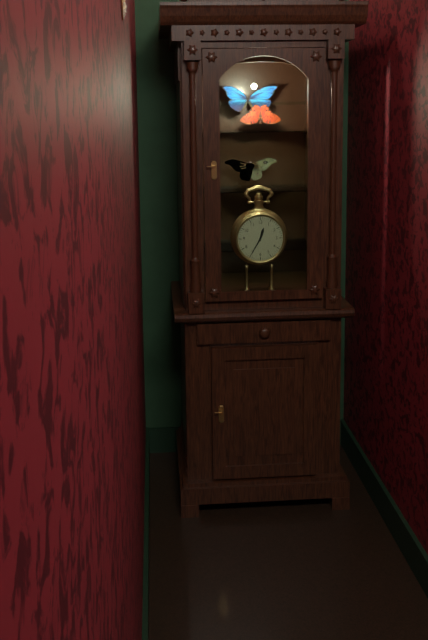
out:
{"hour": 12, "minute": 35}
